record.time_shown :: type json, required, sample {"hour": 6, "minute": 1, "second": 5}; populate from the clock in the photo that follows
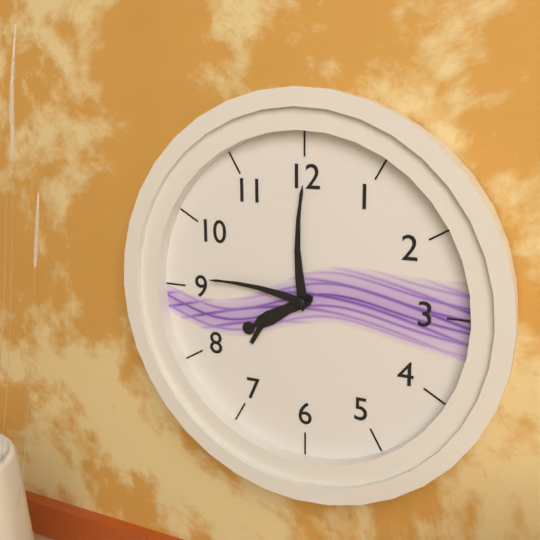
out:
{"hour": 8, "minute": 0, "second": 46}
